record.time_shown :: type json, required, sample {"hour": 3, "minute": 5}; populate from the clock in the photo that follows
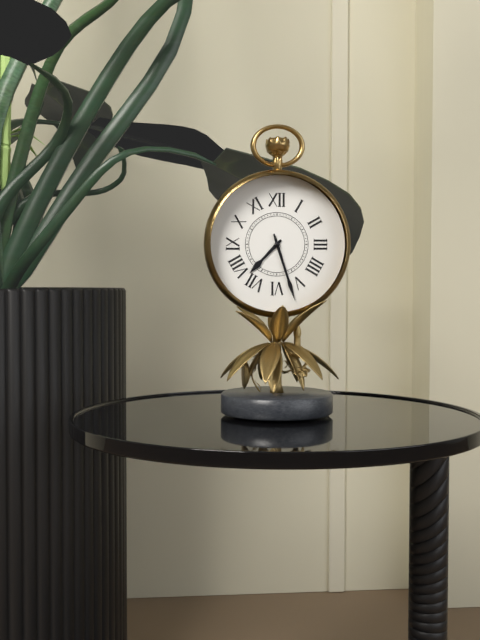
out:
{"hour": 7, "minute": 27}
